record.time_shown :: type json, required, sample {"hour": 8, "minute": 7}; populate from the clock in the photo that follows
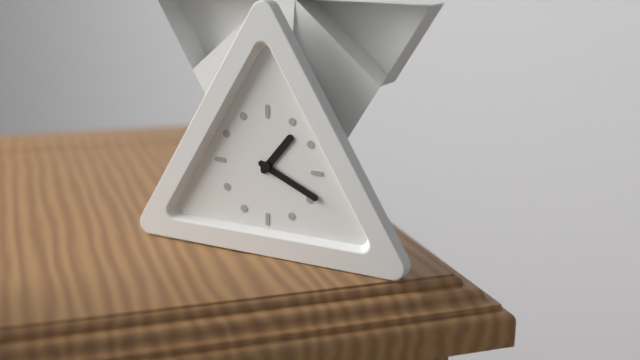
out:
{"hour": 1, "minute": 19}
